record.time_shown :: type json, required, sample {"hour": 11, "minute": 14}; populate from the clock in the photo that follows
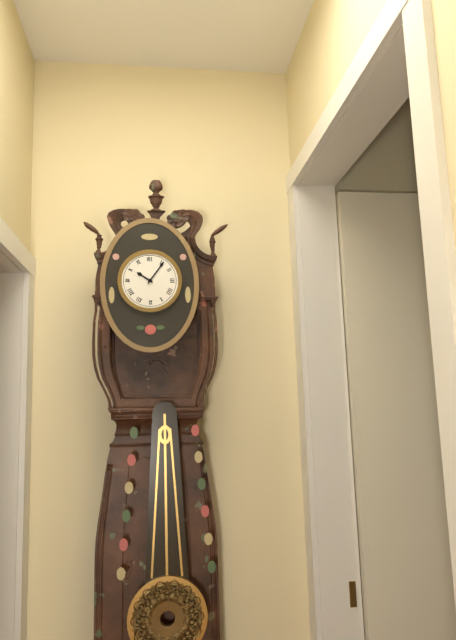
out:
{"hour": 10, "minute": 6}
